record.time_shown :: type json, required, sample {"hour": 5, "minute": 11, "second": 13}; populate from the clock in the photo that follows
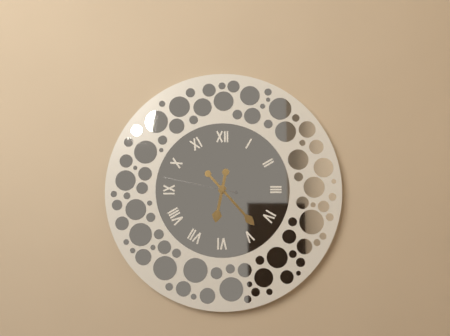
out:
{"hour": 6, "minute": 23, "second": 47}
